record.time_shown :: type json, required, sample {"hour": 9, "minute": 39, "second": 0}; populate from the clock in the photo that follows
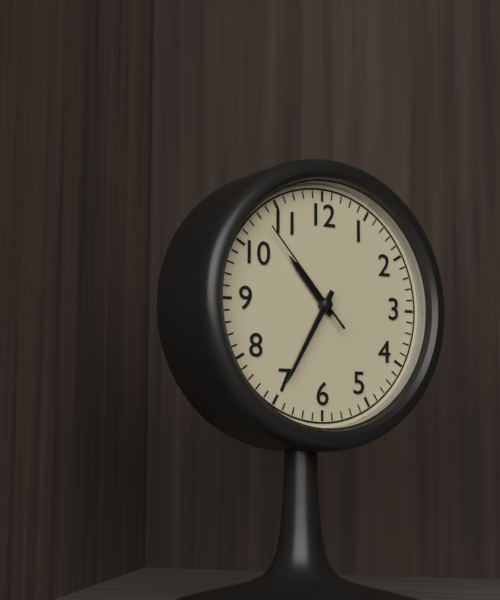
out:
{"hour": 10, "minute": 35, "second": 53}
